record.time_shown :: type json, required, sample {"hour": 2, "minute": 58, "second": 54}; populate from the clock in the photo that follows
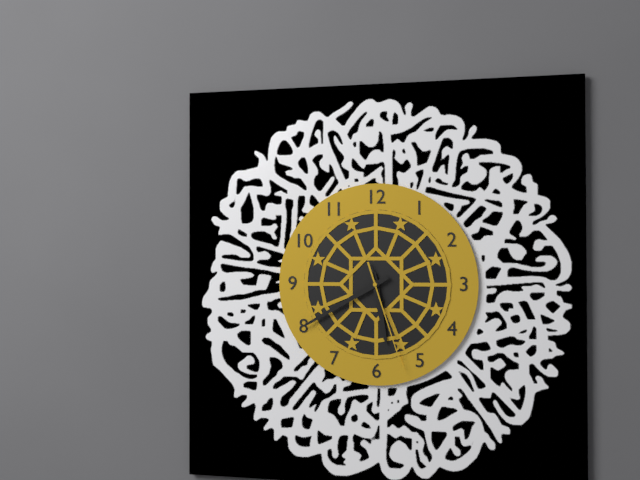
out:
{"hour": 5, "minute": 40, "second": 27}
